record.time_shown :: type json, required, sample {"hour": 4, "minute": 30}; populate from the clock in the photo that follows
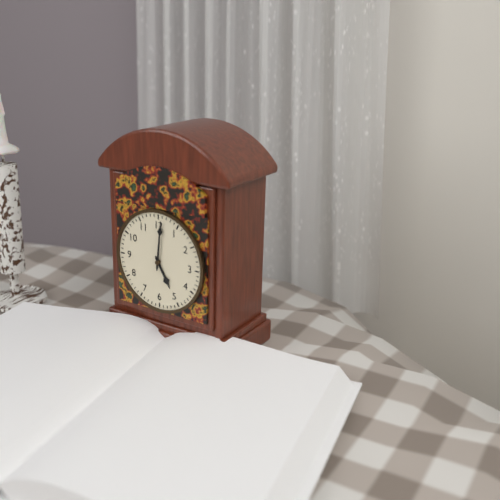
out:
{"hour": 5, "minute": 1}
